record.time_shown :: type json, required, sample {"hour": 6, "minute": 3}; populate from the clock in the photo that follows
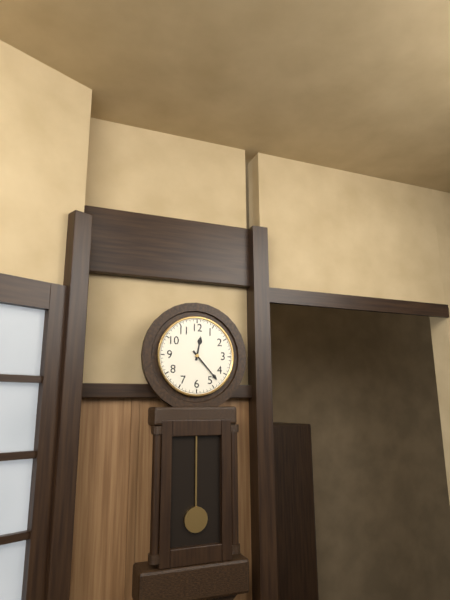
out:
{"hour": 12, "minute": 23}
